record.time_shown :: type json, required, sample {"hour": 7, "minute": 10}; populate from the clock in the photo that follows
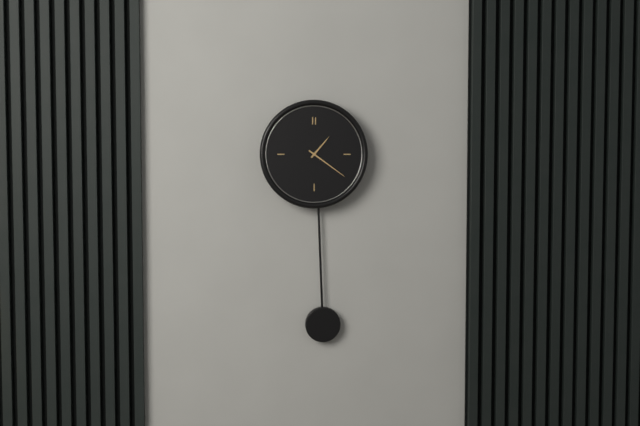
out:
{"hour": 1, "minute": 21}
